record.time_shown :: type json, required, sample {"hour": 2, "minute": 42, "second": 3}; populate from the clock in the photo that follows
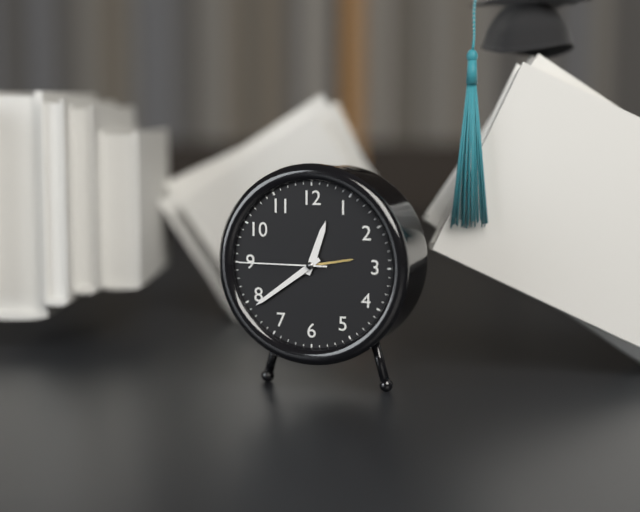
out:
{"hour": 12, "minute": 39, "second": 45}
